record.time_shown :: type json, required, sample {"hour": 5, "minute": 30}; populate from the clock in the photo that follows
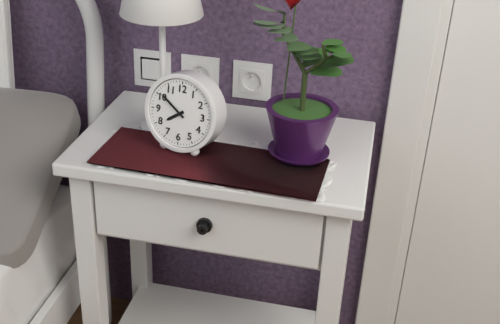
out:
{"hour": 7, "minute": 51}
